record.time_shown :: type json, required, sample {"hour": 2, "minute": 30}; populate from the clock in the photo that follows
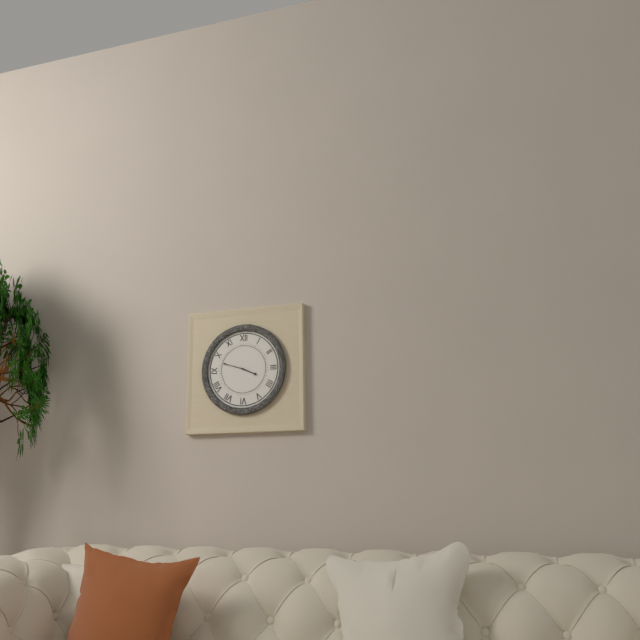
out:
{"hour": 3, "minute": 48}
